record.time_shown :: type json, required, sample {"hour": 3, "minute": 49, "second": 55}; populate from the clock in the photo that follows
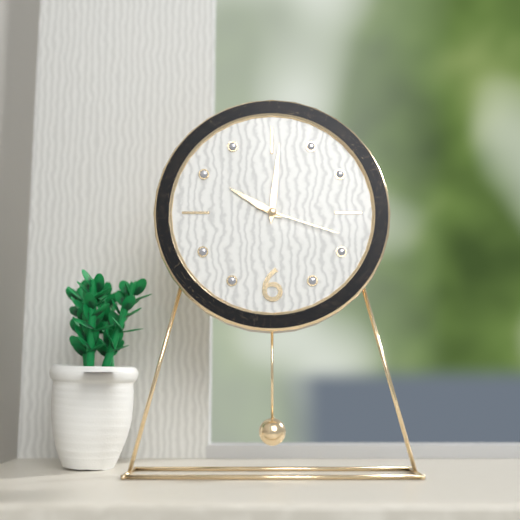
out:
{"hour": 10, "minute": 1, "second": 18}
